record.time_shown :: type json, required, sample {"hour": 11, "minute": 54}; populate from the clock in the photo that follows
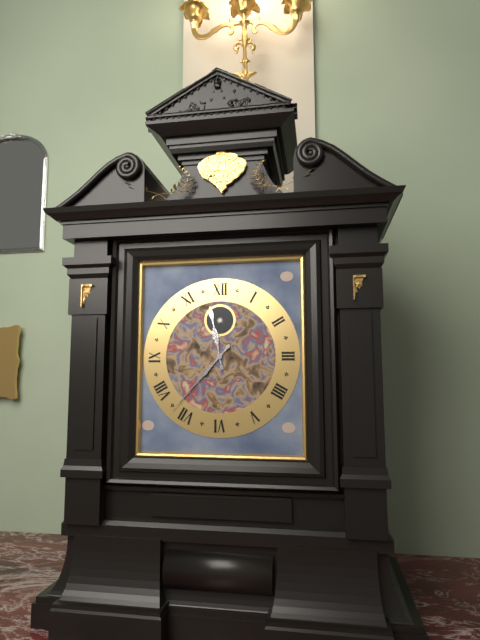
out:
{"hour": 11, "minute": 37}
